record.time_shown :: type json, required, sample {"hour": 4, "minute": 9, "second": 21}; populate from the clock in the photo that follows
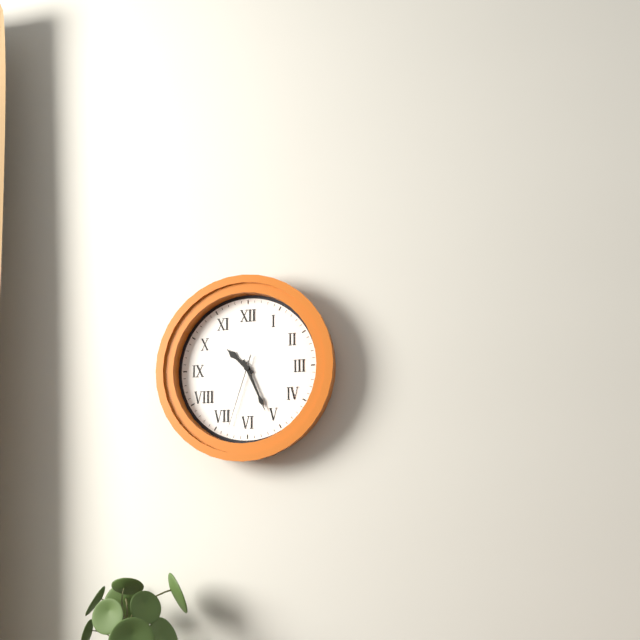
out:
{"hour": 10, "minute": 26, "second": 33}
